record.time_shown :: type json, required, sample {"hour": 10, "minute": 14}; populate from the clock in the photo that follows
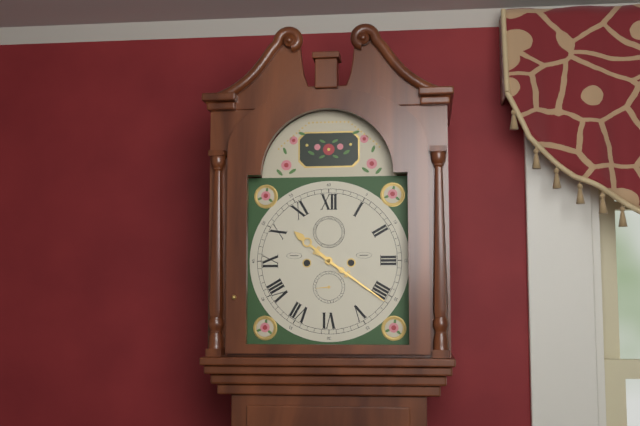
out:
{"hour": 10, "minute": 21}
